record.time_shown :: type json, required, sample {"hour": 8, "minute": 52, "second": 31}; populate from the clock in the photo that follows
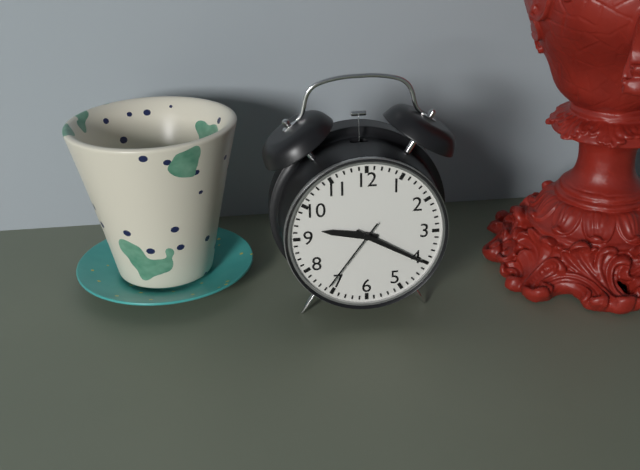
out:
{"hour": 9, "minute": 20, "second": 36}
